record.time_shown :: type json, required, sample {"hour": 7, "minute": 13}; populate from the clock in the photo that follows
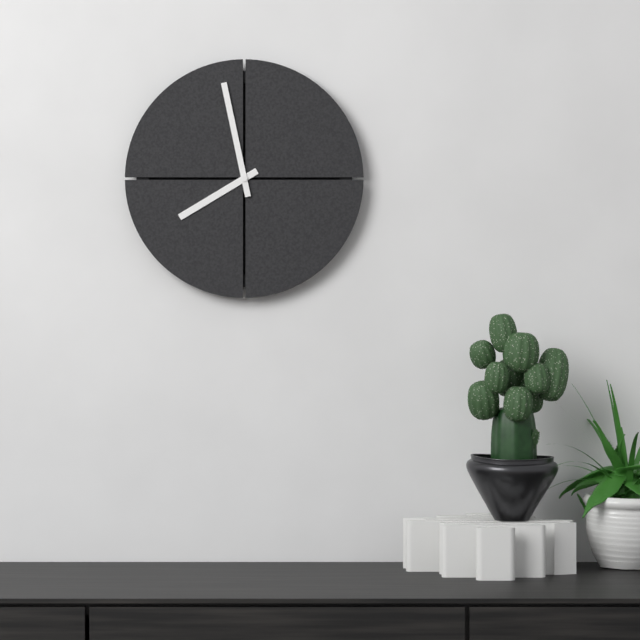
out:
{"hour": 7, "minute": 58}
